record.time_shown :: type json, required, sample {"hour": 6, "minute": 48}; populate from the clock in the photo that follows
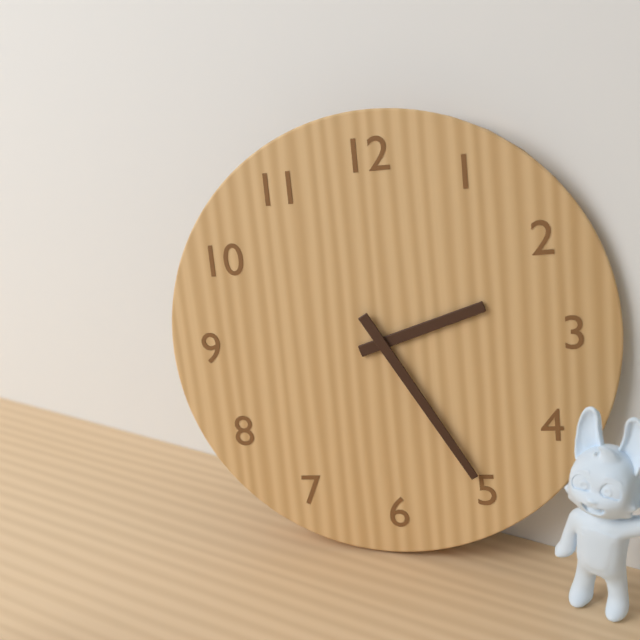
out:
{"hour": 2, "minute": 25}
